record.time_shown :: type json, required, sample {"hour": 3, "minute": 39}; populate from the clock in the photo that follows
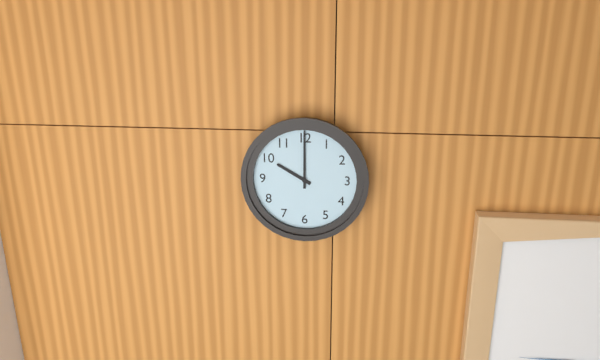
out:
{"hour": 10, "minute": 0}
